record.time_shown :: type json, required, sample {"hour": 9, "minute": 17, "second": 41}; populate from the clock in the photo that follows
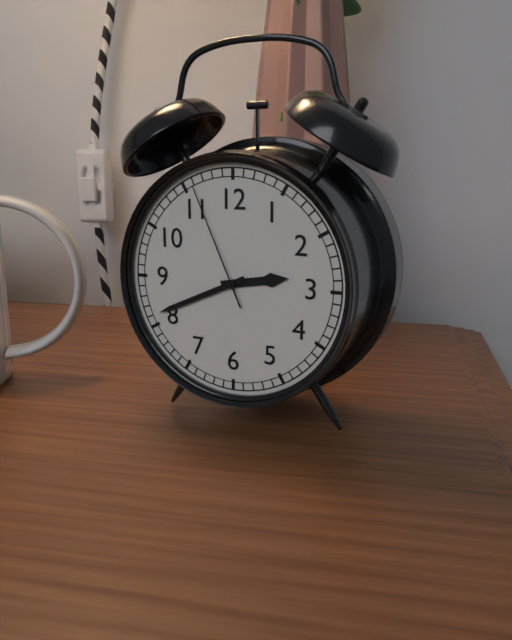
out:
{"hour": 2, "minute": 41, "second": 56}
